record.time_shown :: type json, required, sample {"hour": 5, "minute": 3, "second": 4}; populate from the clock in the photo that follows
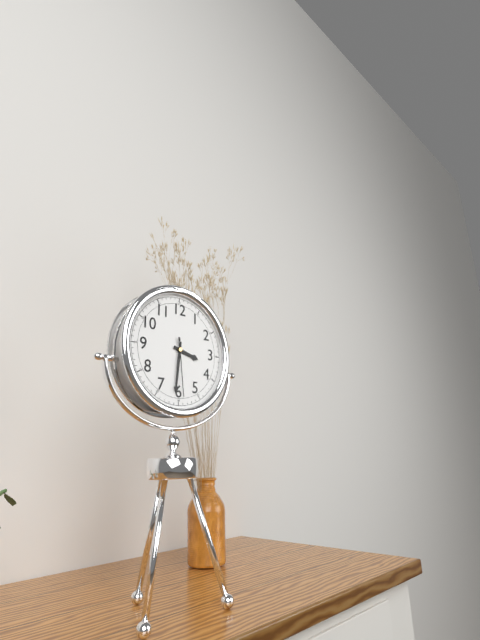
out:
{"hour": 3, "minute": 31, "second": 29}
